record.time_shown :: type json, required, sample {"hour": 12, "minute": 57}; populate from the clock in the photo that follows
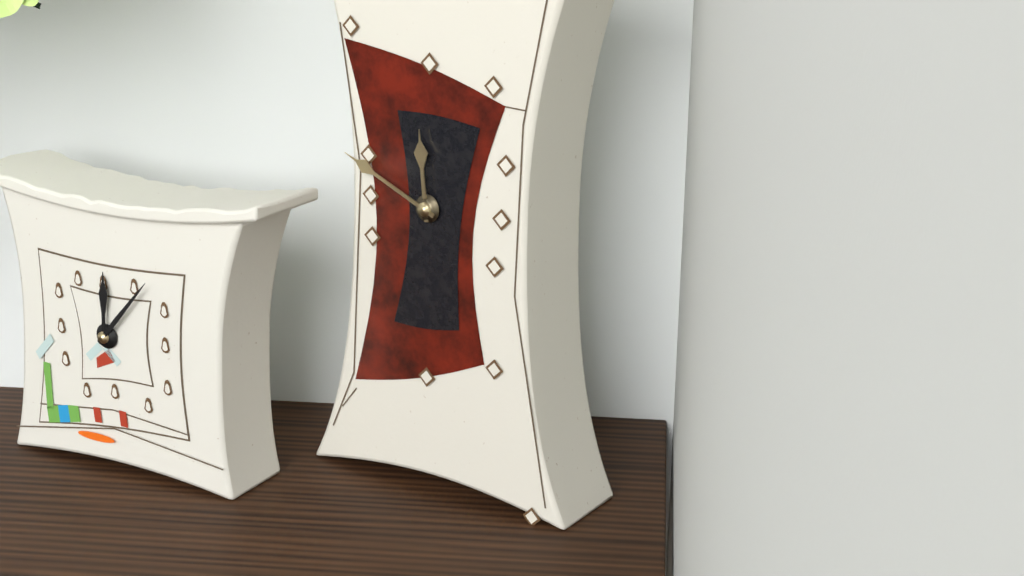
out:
{"hour": 11, "minute": 49}
